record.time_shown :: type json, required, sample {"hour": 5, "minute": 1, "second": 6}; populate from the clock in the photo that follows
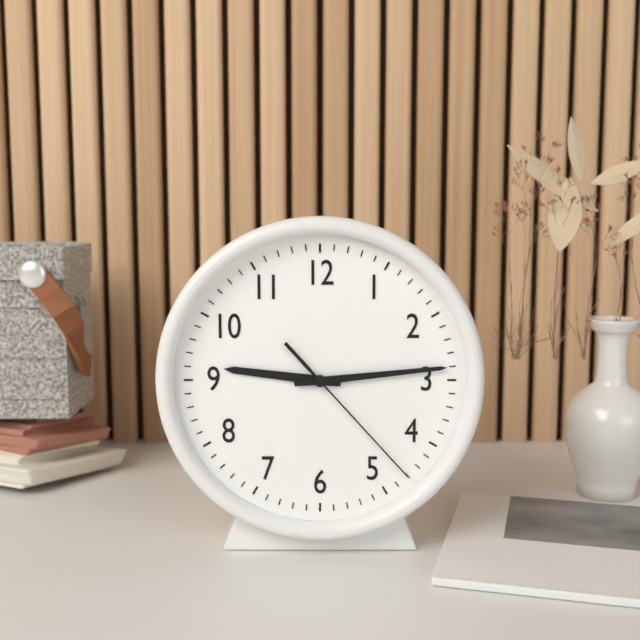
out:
{"hour": 9, "minute": 14, "second": 23}
